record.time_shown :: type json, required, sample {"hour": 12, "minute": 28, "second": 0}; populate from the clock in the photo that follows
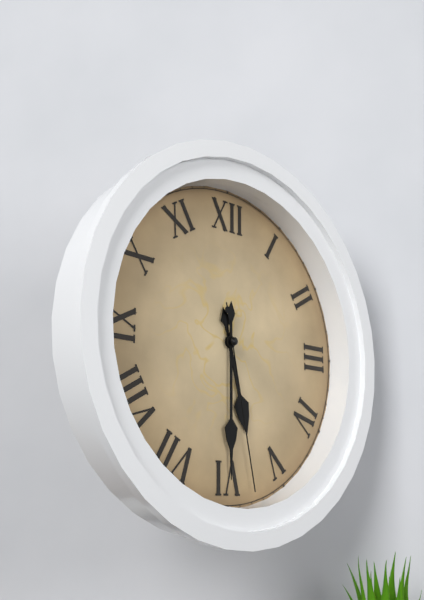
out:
{"hour": 5, "minute": 30, "second": 28}
